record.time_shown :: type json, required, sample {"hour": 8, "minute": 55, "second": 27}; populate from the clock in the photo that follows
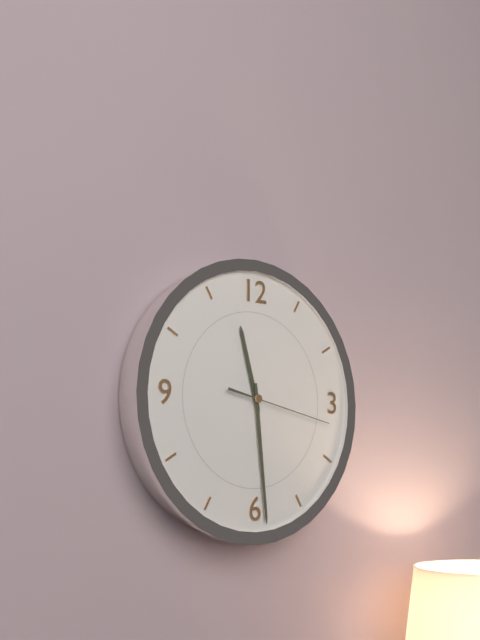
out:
{"hour": 11, "minute": 29, "second": 17}
